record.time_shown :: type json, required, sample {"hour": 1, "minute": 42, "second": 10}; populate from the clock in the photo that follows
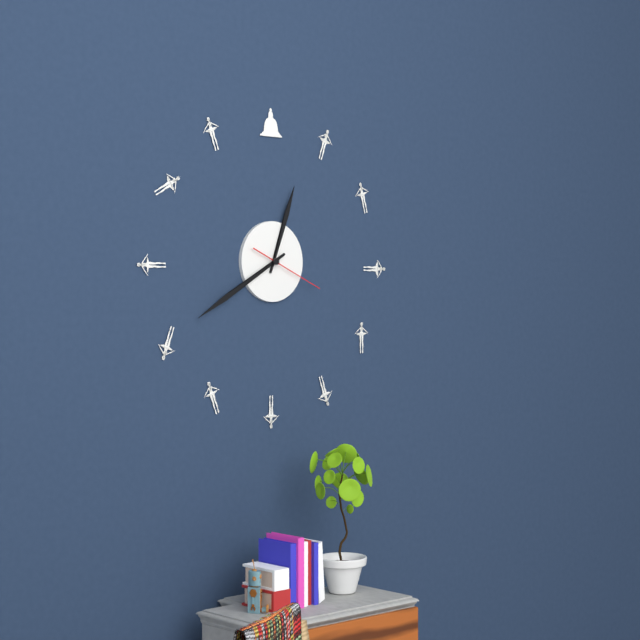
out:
{"hour": 12, "minute": 40, "second": 19}
